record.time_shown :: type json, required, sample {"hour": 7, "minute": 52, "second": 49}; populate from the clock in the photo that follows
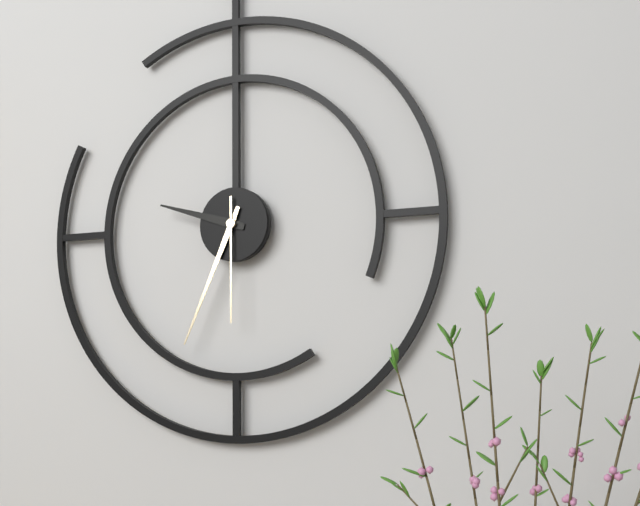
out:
{"hour": 9, "minute": 34, "second": 30}
